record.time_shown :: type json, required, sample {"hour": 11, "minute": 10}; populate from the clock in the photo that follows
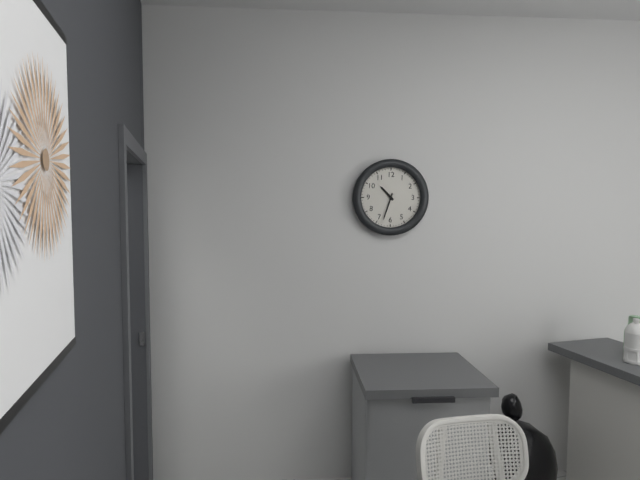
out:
{"hour": 10, "minute": 33}
